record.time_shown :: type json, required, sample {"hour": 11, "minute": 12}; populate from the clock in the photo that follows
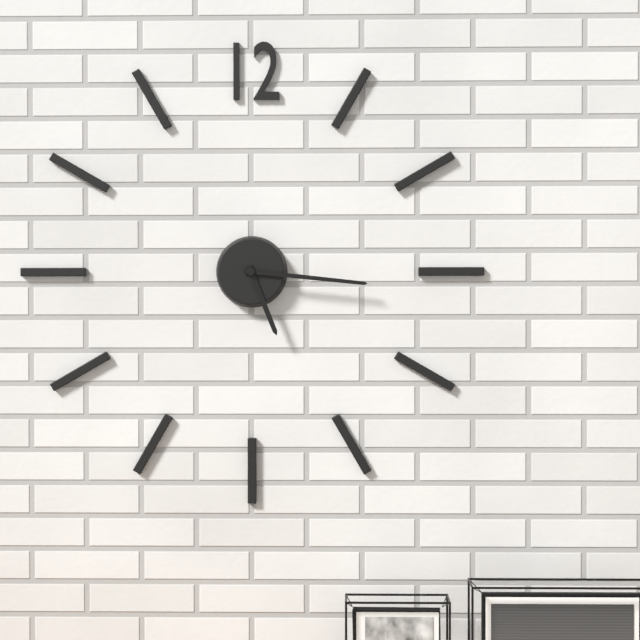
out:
{"hour": 5, "minute": 16}
